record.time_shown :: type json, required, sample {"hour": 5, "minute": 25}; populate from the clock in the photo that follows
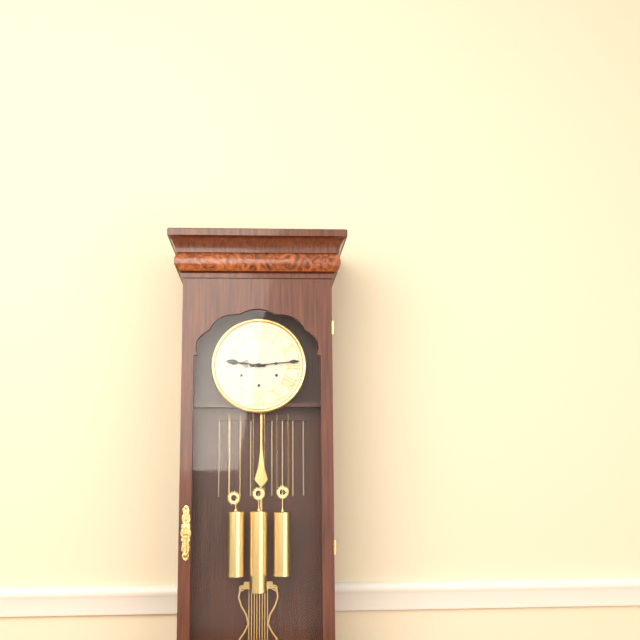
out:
{"hour": 9, "minute": 14}
